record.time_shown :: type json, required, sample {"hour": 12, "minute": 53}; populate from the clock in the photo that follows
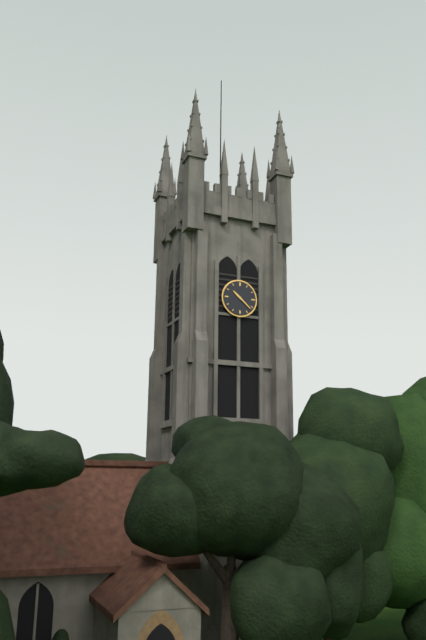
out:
{"hour": 10, "minute": 22}
